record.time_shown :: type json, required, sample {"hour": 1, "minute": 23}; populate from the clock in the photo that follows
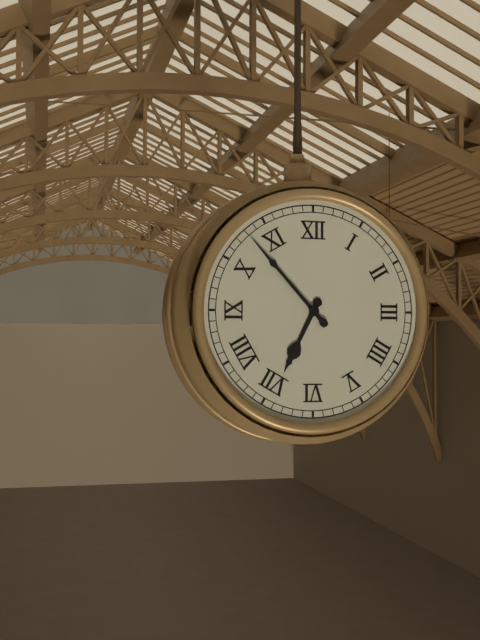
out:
{"hour": 6, "minute": 53}
